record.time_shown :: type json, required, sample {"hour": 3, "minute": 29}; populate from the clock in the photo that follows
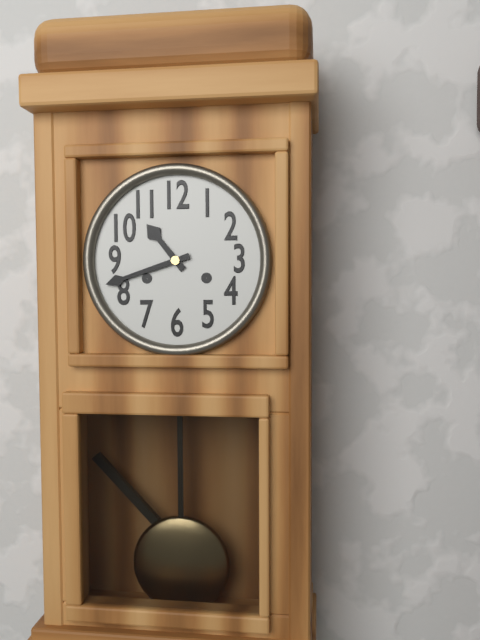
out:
{"hour": 10, "minute": 42}
